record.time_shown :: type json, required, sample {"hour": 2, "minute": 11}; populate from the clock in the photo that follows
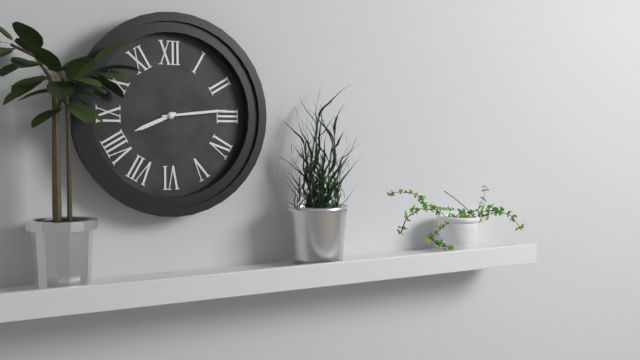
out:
{"hour": 8, "minute": 14}
